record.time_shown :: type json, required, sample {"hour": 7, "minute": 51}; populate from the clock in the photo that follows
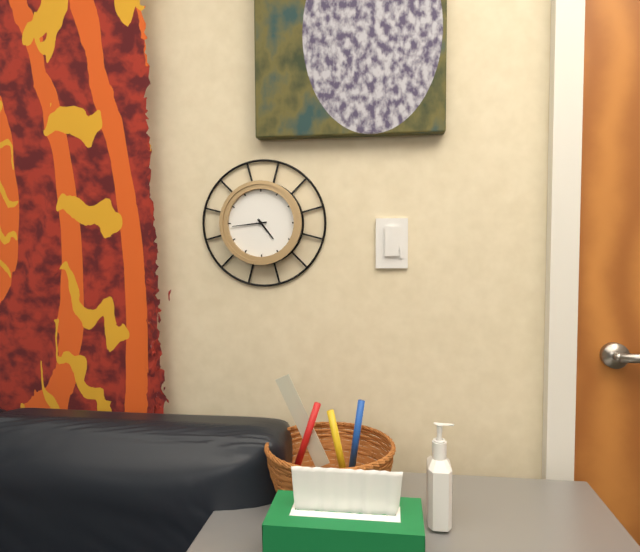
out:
{"hour": 4, "minute": 44}
